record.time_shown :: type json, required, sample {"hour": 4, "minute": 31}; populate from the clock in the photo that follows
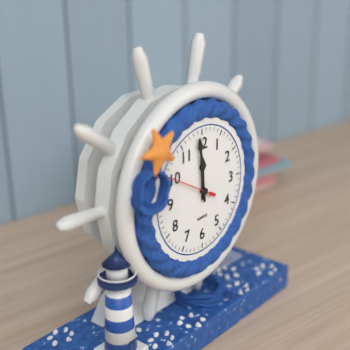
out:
{"hour": 11, "minute": 59}
